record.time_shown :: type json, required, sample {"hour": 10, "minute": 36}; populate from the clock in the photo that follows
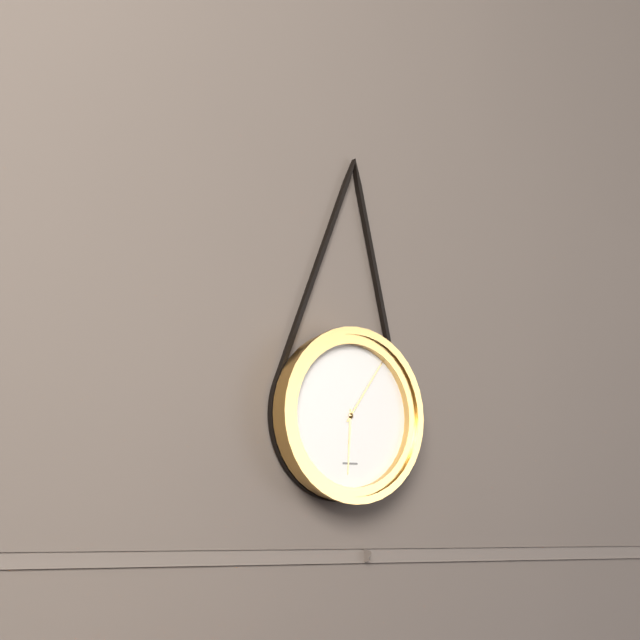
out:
{"hour": 6, "minute": 6}
